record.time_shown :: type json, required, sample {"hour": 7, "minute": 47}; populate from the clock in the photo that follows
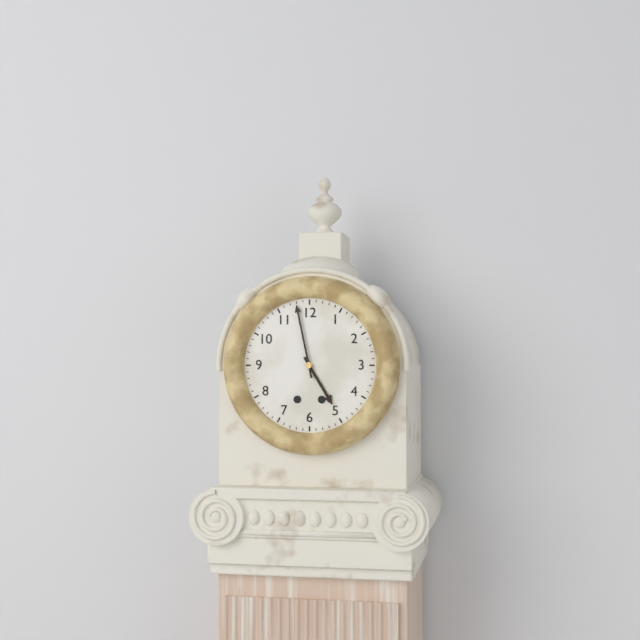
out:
{"hour": 4, "minute": 58}
